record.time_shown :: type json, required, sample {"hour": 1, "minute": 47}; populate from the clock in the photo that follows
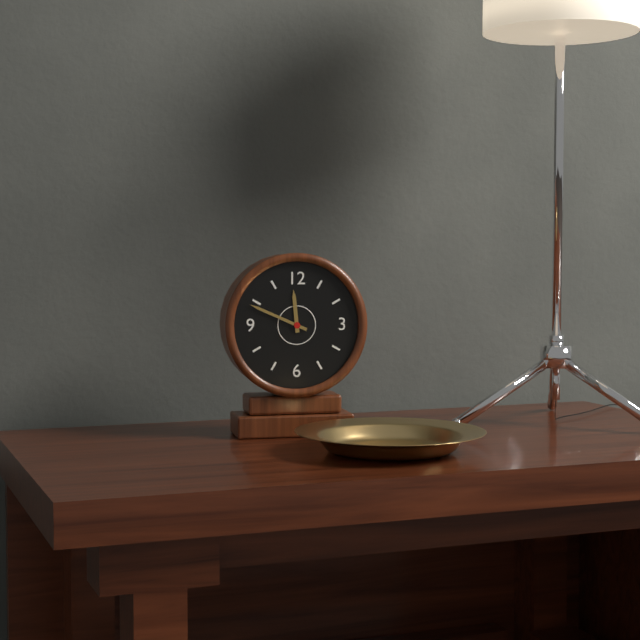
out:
{"hour": 11, "minute": 49}
